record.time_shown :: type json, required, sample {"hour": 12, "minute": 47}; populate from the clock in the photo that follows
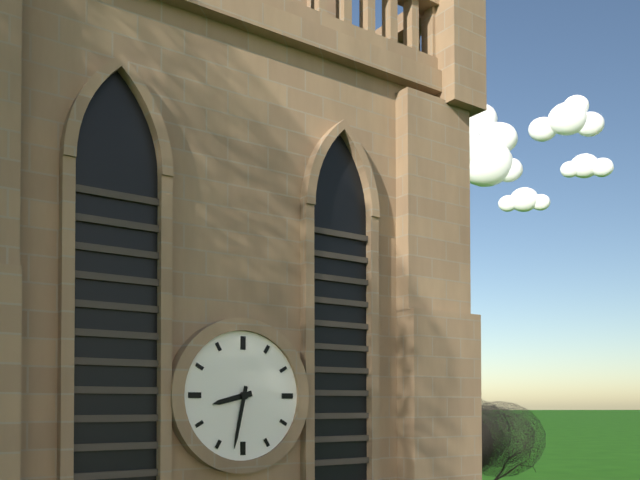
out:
{"hour": 8, "minute": 32}
